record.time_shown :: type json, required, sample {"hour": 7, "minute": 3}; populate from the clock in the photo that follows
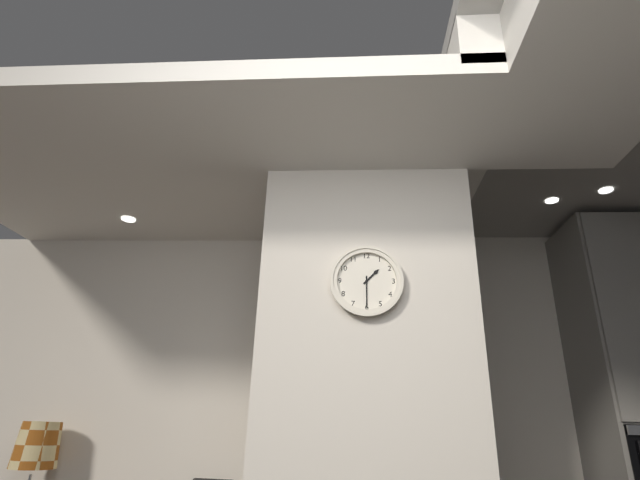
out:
{"hour": 1, "minute": 30}
